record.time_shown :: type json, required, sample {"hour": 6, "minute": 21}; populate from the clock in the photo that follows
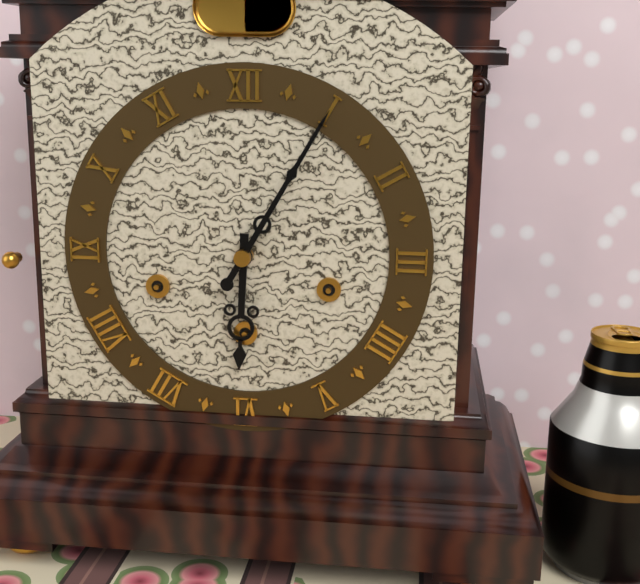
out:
{"hour": 6, "minute": 5}
